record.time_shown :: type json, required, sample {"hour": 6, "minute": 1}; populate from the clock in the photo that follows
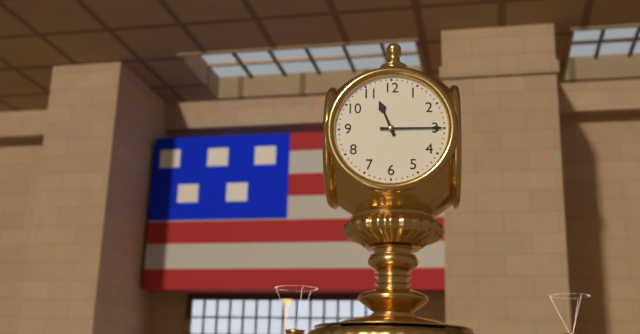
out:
{"hour": 11, "minute": 15}
